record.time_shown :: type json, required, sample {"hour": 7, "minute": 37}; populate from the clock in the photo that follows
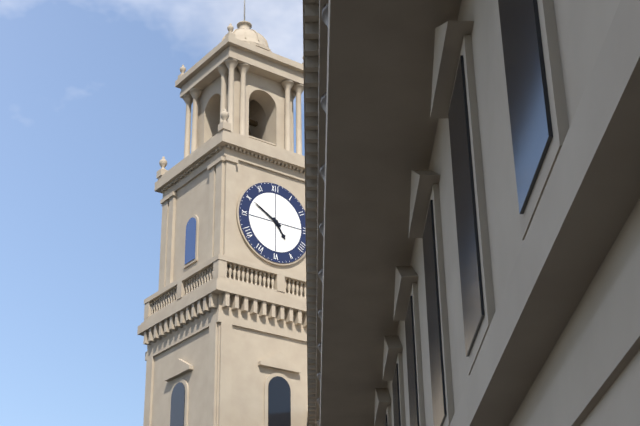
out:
{"hour": 4, "minute": 50}
